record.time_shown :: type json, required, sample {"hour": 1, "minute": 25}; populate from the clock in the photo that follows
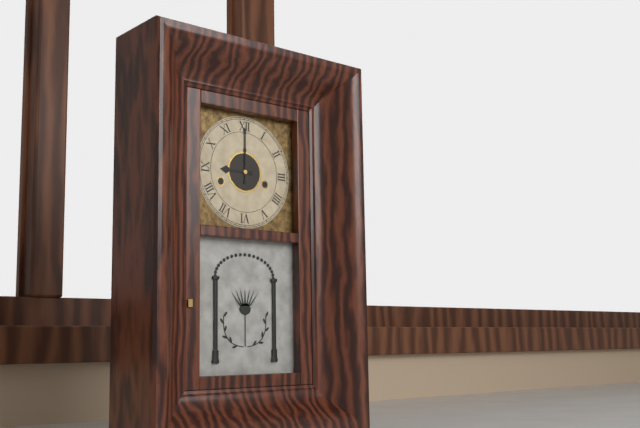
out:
{"hour": 9, "minute": 0}
